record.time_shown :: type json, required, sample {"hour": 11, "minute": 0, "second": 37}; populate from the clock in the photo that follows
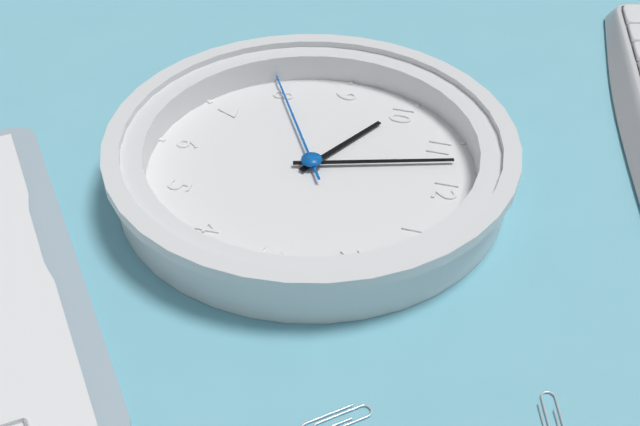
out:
{"hour": 9, "minute": 57, "second": 40}
